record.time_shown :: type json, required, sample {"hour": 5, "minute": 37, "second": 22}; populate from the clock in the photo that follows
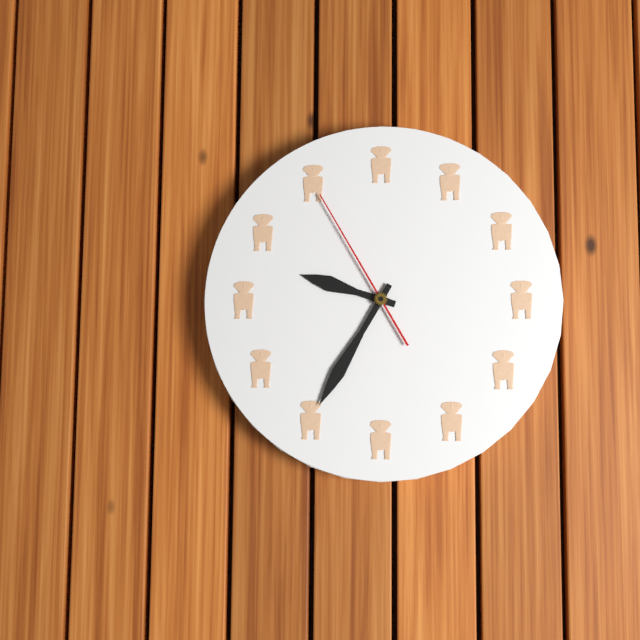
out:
{"hour": 9, "minute": 35, "second": 55}
